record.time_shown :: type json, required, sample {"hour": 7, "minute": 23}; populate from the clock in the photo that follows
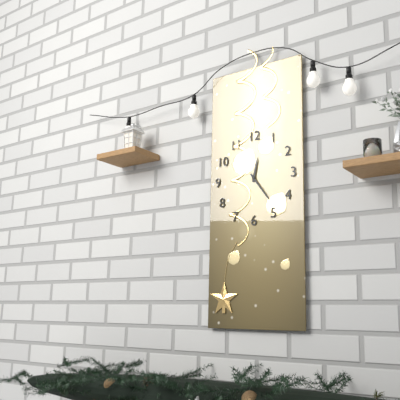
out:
{"hour": 12, "minute": 24}
